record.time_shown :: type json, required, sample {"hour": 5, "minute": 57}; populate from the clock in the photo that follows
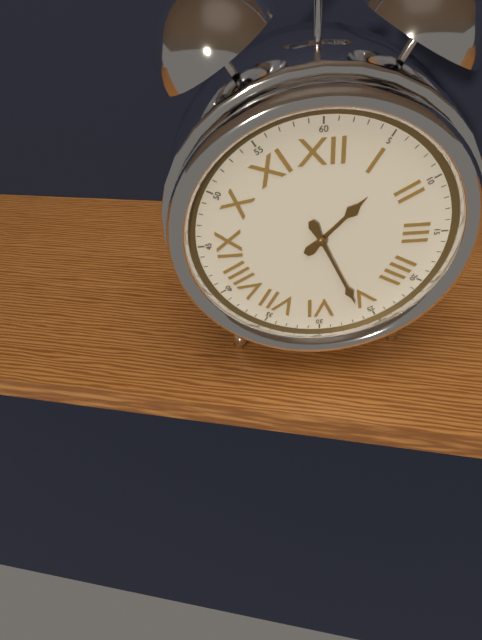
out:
{"hour": 1, "minute": 26}
